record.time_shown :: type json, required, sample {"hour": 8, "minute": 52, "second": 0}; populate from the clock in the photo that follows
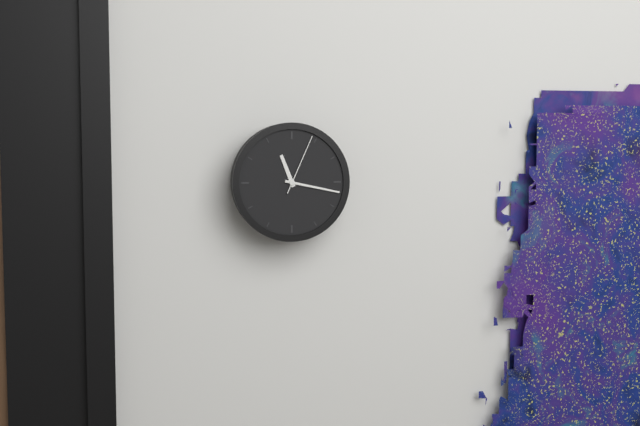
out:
{"hour": 11, "minute": 17, "second": 4}
